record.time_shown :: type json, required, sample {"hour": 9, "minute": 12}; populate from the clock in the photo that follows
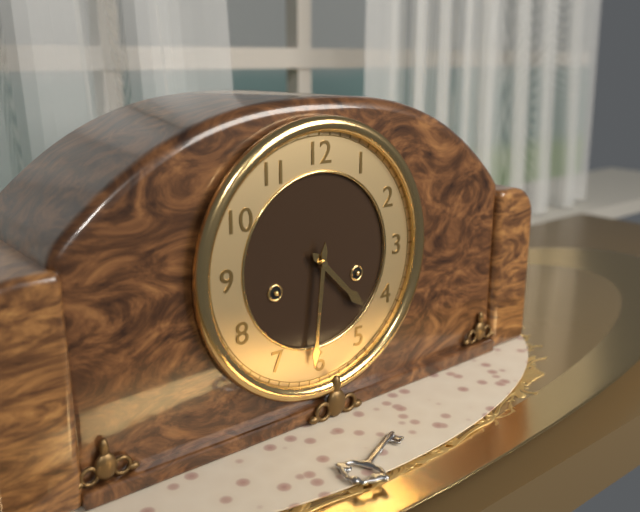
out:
{"hour": 4, "minute": 31}
